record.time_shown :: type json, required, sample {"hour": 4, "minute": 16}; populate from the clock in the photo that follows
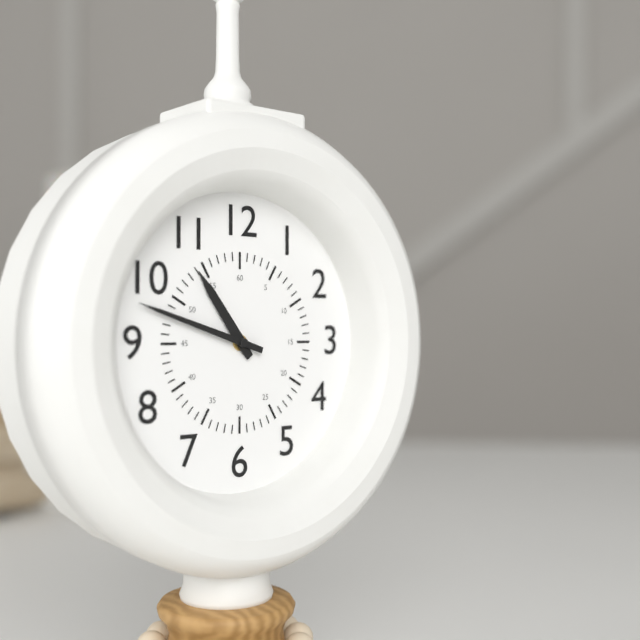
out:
{"hour": 10, "minute": 48}
